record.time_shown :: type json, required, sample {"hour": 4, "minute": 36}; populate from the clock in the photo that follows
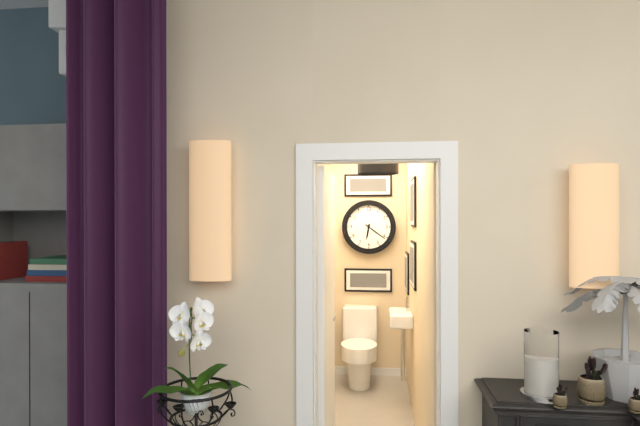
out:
{"hour": 6, "minute": 21}
